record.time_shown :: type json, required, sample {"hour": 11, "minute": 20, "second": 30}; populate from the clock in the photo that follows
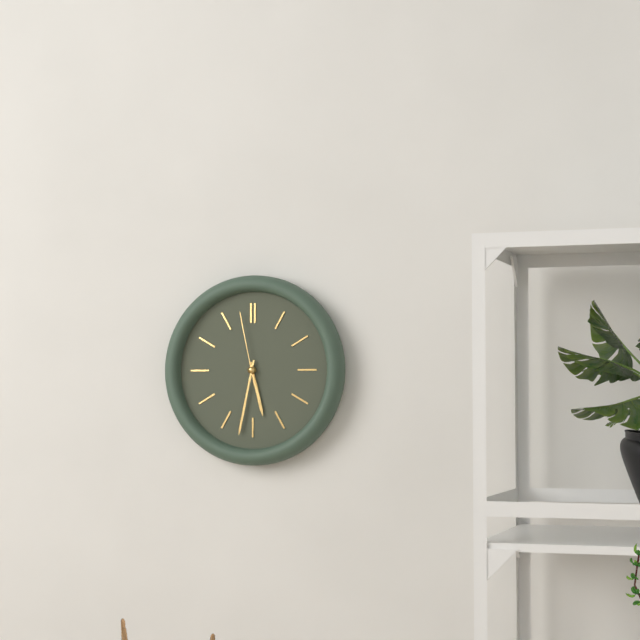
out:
{"hour": 5, "minute": 32, "second": 58}
